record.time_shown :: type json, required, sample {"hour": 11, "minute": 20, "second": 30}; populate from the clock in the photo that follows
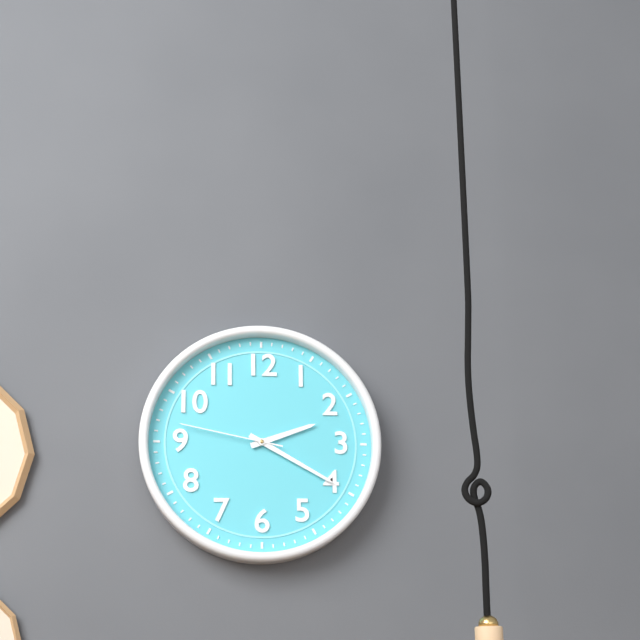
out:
{"hour": 2, "minute": 20, "second": 47}
